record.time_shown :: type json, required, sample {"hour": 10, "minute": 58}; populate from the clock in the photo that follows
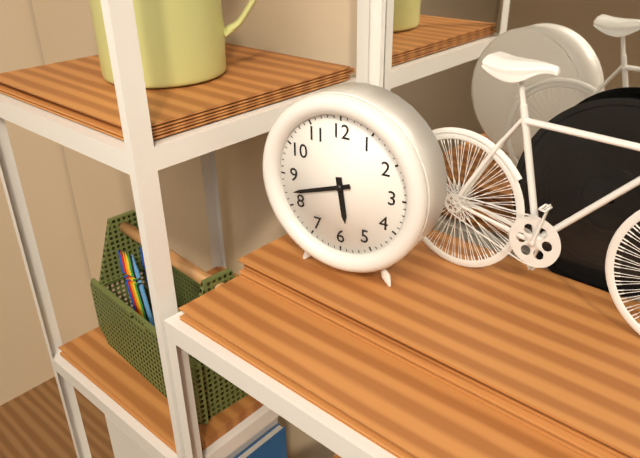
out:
{"hour": 5, "minute": 42}
